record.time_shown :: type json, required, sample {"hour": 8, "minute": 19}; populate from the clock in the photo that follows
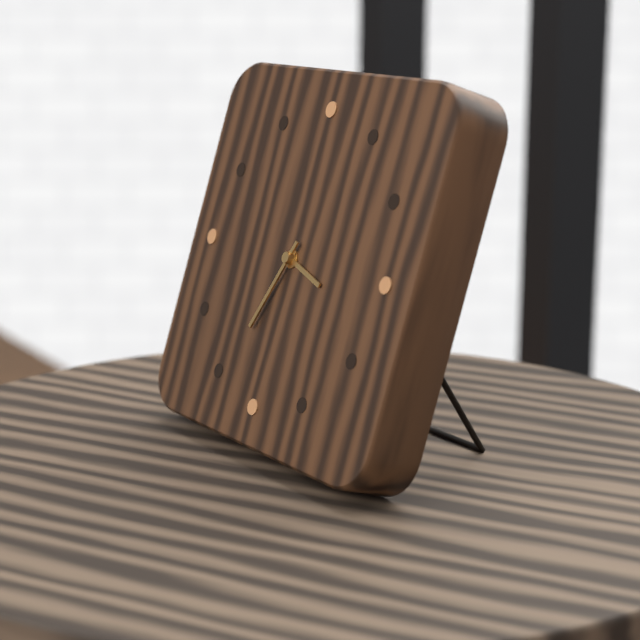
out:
{"hour": 3, "minute": 34}
